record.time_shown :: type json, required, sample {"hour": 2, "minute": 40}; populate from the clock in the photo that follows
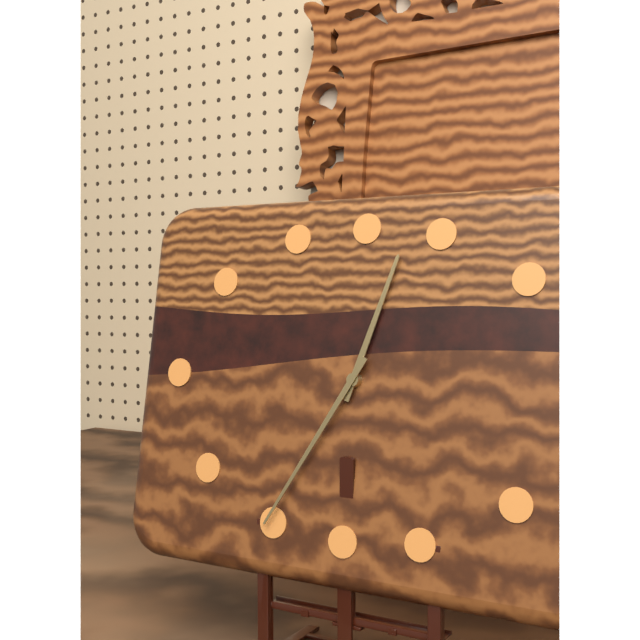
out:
{"hour": 12, "minute": 35}
